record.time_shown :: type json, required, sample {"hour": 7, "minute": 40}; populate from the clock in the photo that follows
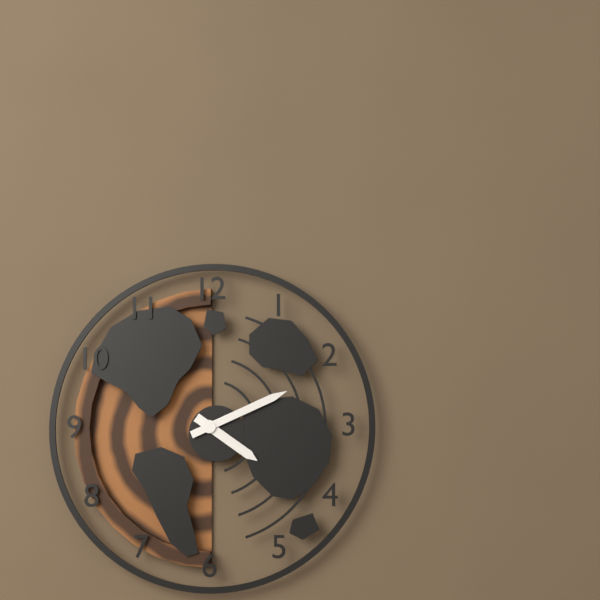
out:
{"hour": 4, "minute": 11}
